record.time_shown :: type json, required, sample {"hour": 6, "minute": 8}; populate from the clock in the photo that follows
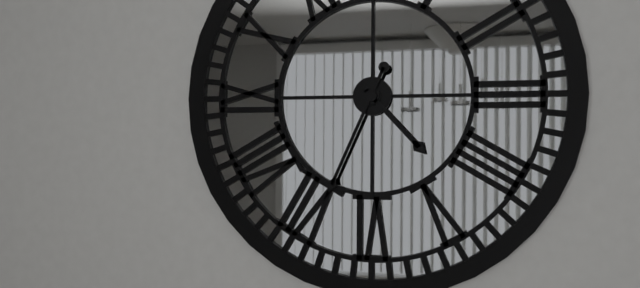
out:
{"hour": 4, "minute": 34}
